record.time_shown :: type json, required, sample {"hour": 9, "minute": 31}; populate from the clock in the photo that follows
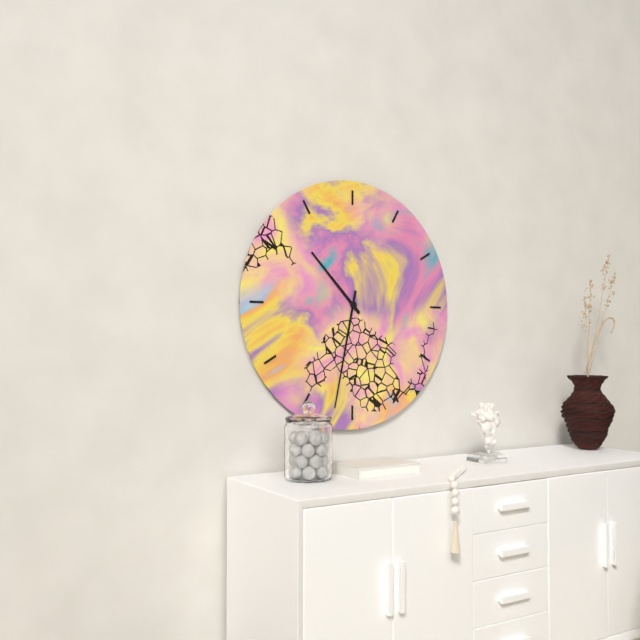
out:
{"hour": 10, "minute": 32}
